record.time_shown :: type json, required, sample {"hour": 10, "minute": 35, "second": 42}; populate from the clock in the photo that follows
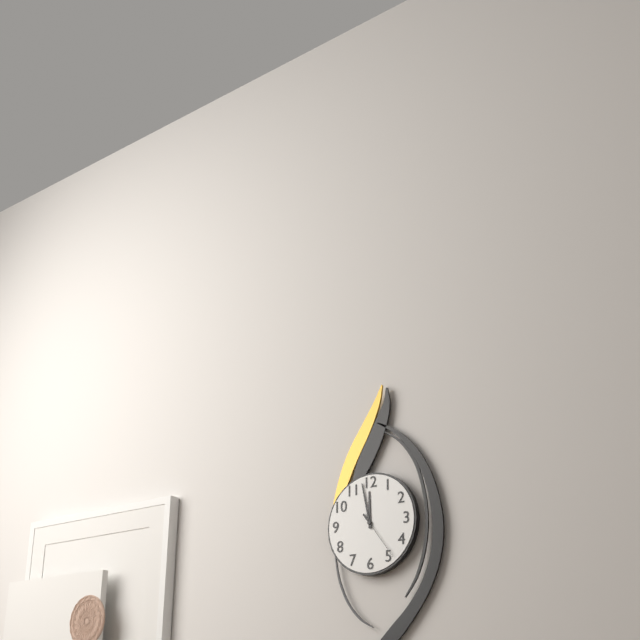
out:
{"hour": 11, "minute": 58, "second": 24}
